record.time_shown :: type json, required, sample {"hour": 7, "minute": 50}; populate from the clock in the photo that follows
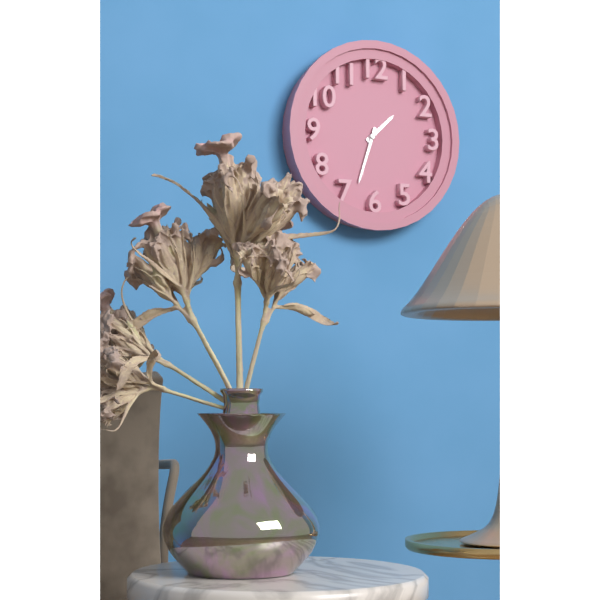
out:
{"hour": 1, "minute": 33}
